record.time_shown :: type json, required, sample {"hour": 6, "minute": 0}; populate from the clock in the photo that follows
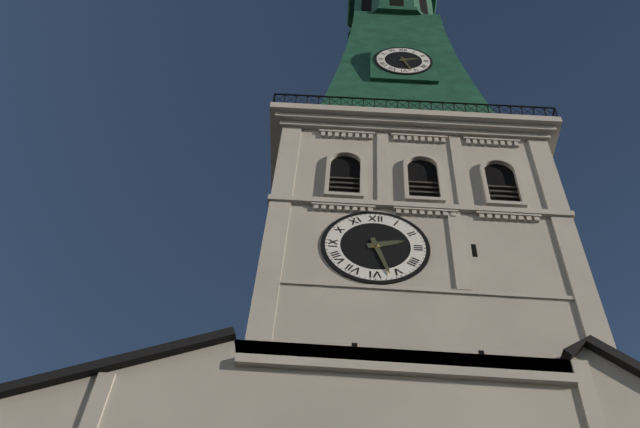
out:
{"hour": 2, "minute": 27}
